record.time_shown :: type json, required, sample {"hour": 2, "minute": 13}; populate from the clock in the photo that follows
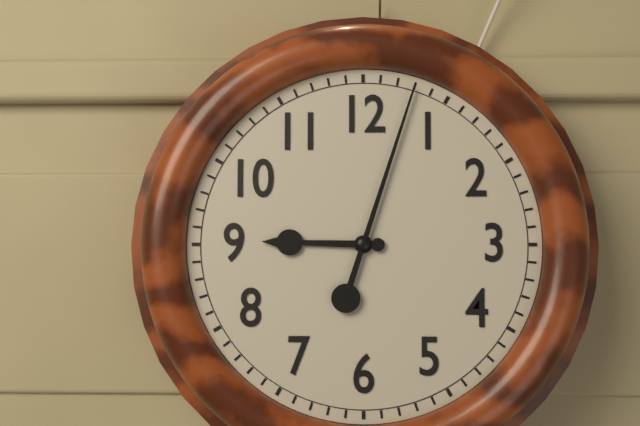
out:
{"hour": 9, "minute": 3}
